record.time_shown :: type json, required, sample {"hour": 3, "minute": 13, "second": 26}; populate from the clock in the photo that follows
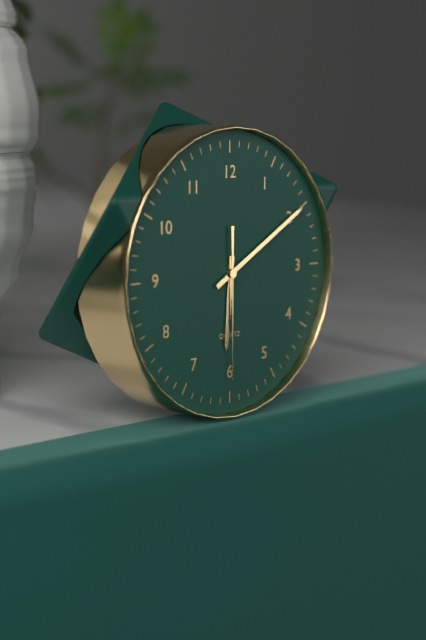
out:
{"hour": 6, "minute": 10, "second": 30}
